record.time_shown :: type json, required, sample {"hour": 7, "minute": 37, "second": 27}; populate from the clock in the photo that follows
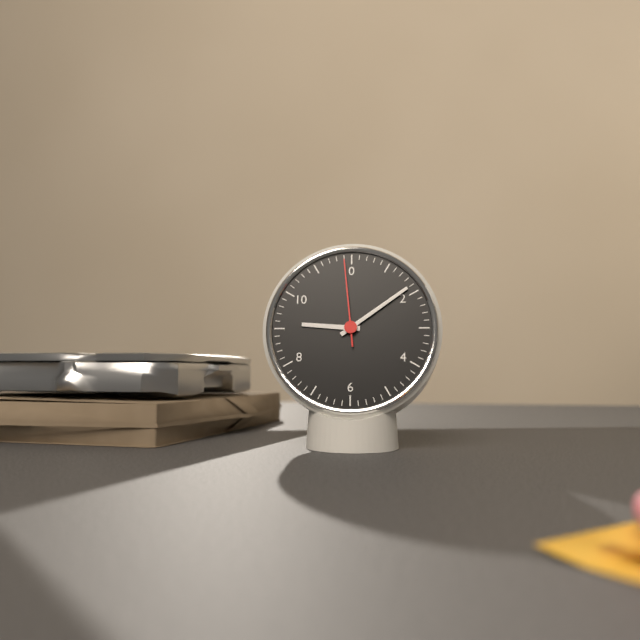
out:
{"hour": 9, "minute": 9, "second": 59}
